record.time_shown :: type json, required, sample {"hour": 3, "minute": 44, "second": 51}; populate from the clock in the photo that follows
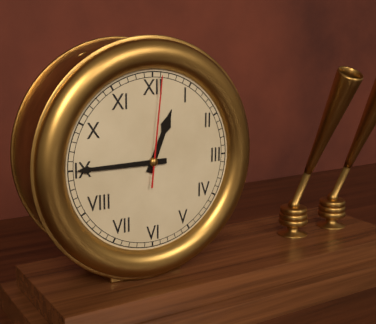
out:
{"hour": 12, "minute": 45, "second": 1}
